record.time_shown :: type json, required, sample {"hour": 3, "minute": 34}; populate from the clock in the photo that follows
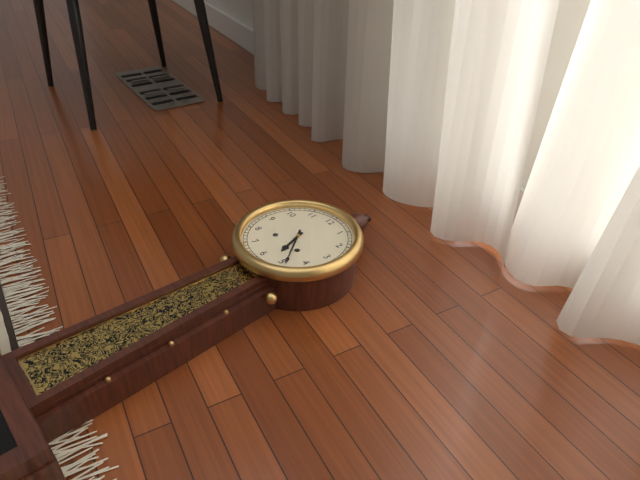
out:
{"hour": 5, "minute": 24}
